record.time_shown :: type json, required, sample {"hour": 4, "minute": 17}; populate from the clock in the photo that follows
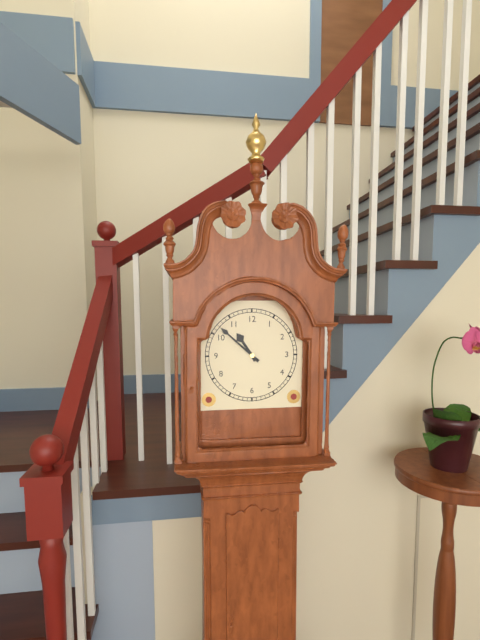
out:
{"hour": 10, "minute": 52}
